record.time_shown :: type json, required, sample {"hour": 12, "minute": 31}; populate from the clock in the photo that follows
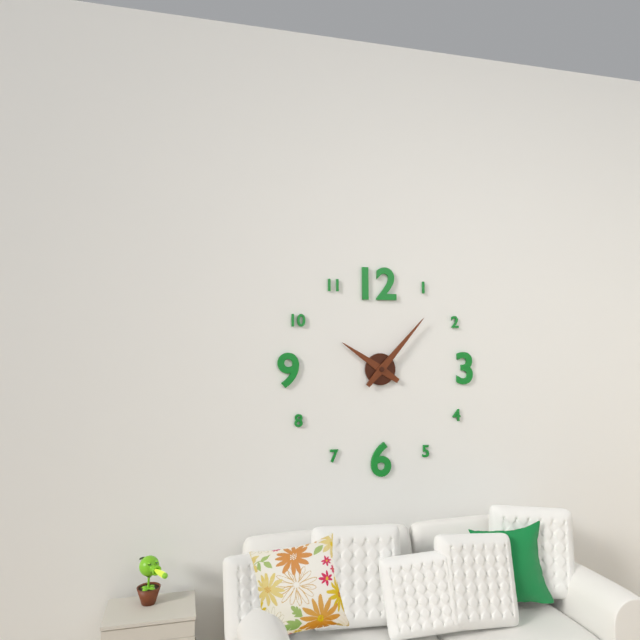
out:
{"hour": 10, "minute": 7}
